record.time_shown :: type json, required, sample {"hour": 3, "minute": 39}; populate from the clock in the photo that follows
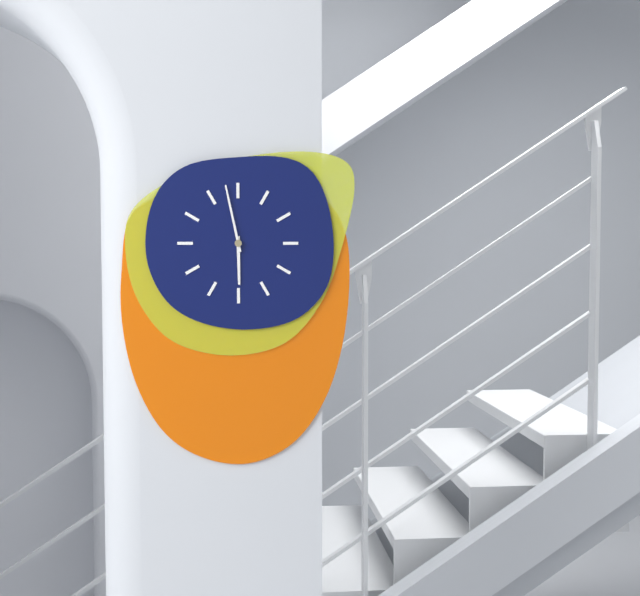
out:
{"hour": 5, "minute": 58}
